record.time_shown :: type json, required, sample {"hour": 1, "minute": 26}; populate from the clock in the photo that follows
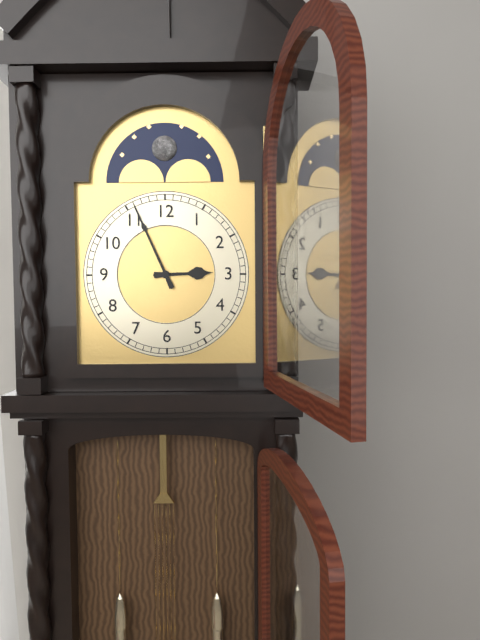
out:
{"hour": 2, "minute": 56}
